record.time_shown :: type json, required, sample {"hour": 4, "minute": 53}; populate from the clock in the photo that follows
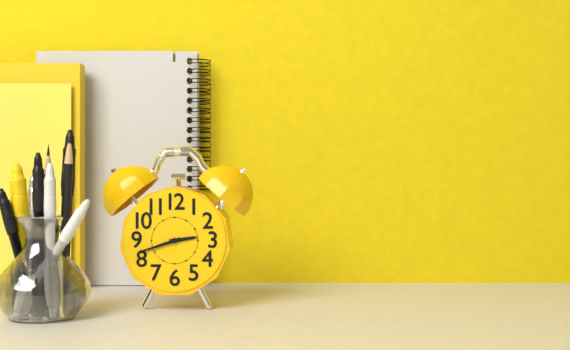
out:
{"hour": 2, "minute": 42}
